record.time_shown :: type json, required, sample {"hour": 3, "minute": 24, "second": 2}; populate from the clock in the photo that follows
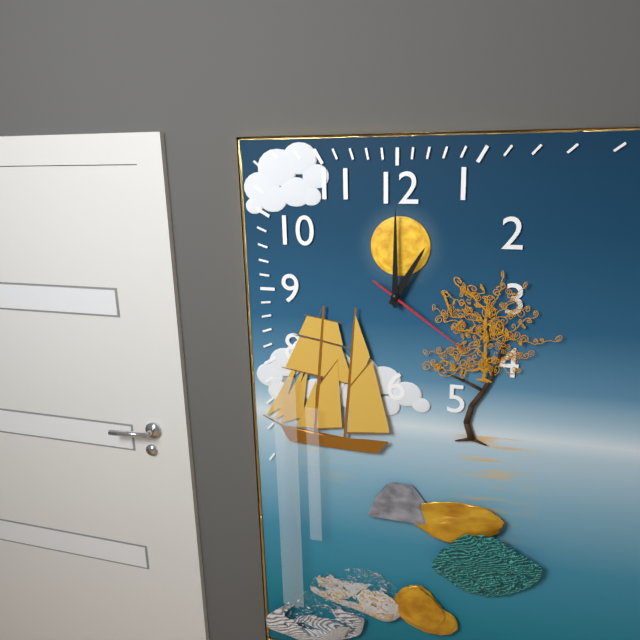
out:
{"hour": 1, "minute": 0, "second": 21}
